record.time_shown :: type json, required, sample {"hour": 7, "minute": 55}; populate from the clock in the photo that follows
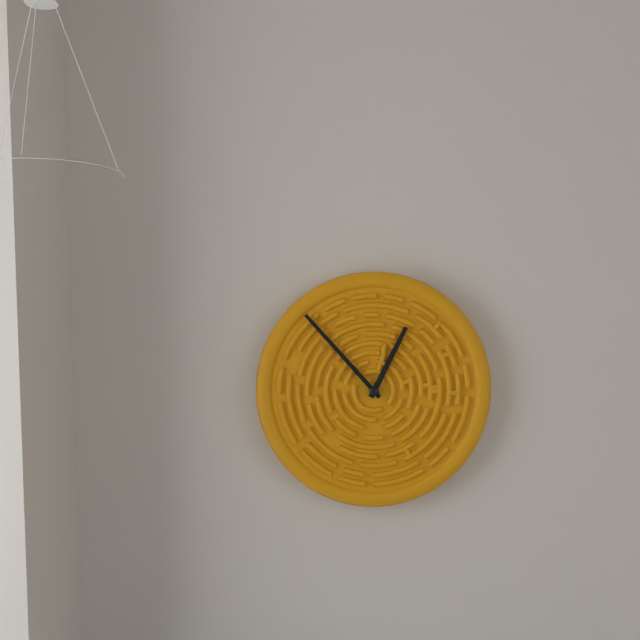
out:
{"hour": 12, "minute": 53}
